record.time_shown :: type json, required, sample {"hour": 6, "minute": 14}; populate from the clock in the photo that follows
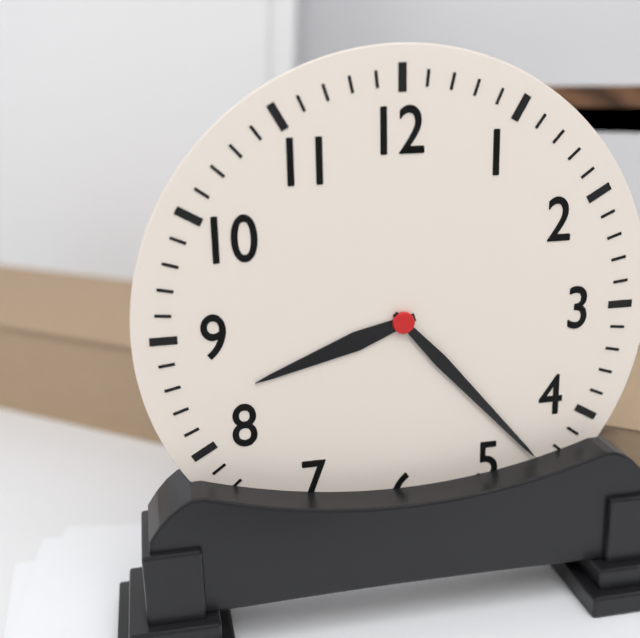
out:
{"hour": 8, "minute": 23}
